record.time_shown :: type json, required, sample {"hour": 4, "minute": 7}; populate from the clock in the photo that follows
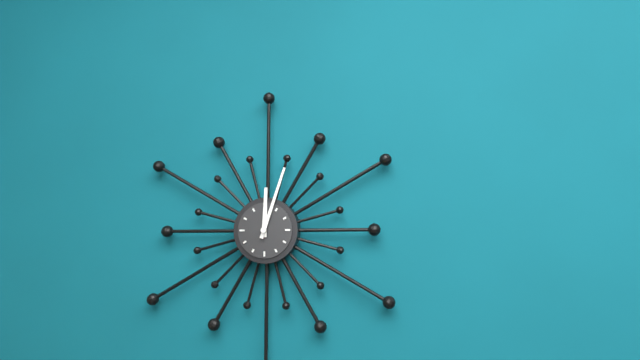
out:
{"hour": 12, "minute": 3}
